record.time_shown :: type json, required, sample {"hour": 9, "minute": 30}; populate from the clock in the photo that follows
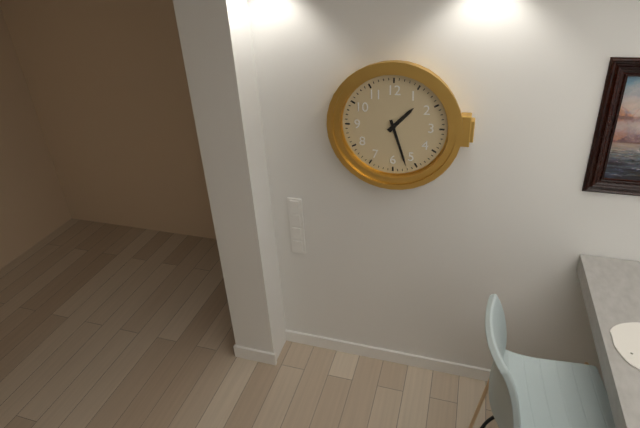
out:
{"hour": 1, "minute": 27}
